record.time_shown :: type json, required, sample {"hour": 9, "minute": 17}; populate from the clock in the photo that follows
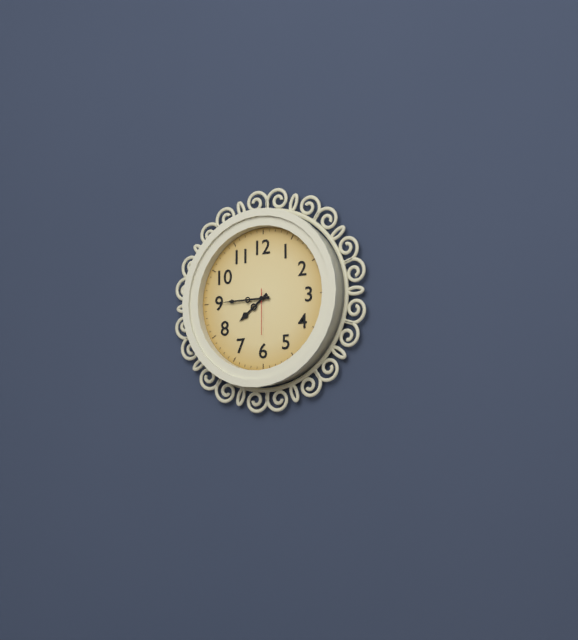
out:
{"hour": 7, "minute": 45}
